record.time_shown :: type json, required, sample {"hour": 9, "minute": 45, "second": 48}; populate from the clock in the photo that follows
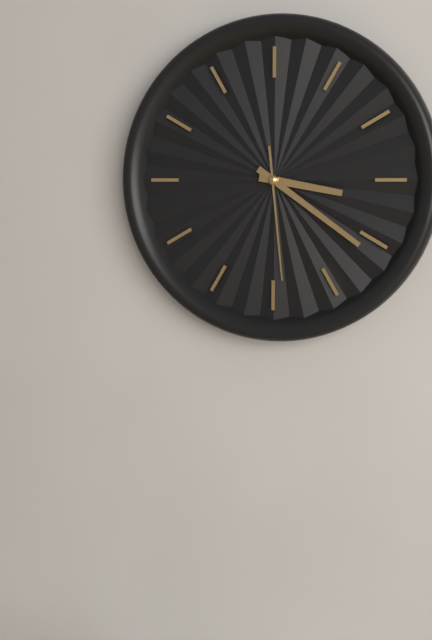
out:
{"hour": 3, "minute": 21, "second": 29}
